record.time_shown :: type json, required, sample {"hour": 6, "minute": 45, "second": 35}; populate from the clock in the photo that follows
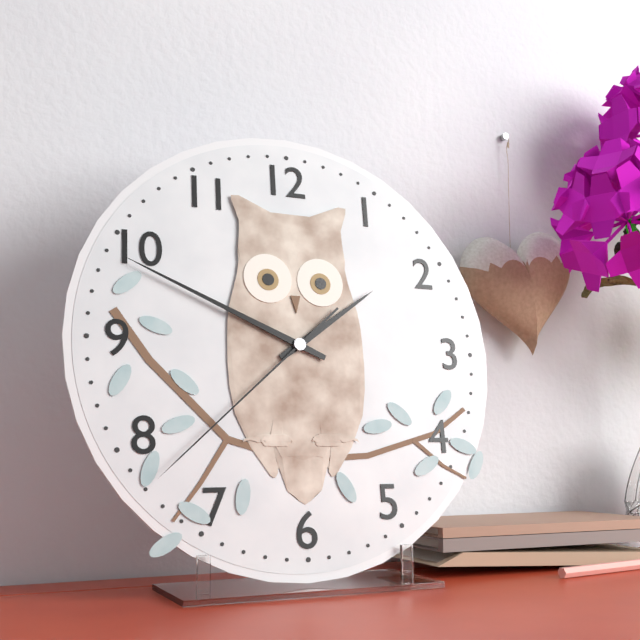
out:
{"hour": 1, "minute": 49, "second": 38}
